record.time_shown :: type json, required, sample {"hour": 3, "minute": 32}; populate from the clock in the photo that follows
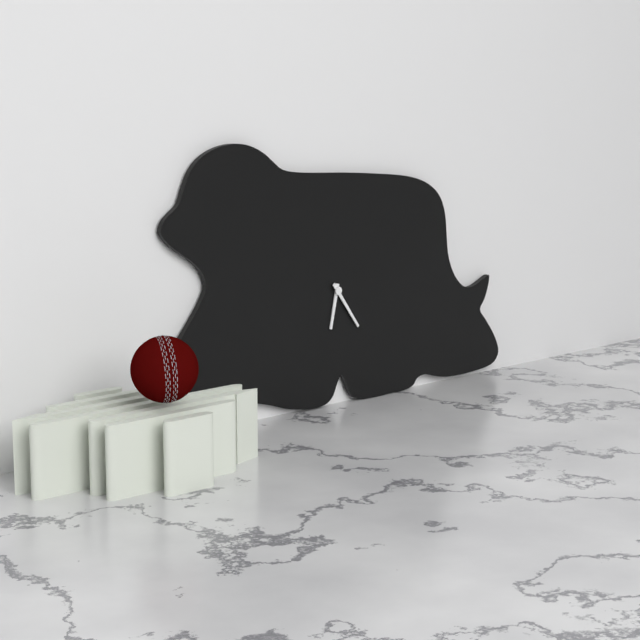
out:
{"hour": 6, "minute": 24}
